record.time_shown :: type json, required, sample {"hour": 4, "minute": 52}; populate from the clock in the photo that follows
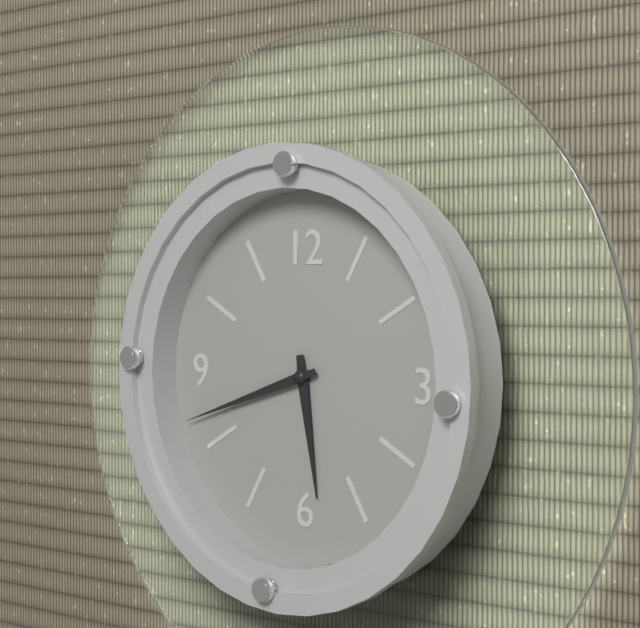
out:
{"hour": 5, "minute": 42}
